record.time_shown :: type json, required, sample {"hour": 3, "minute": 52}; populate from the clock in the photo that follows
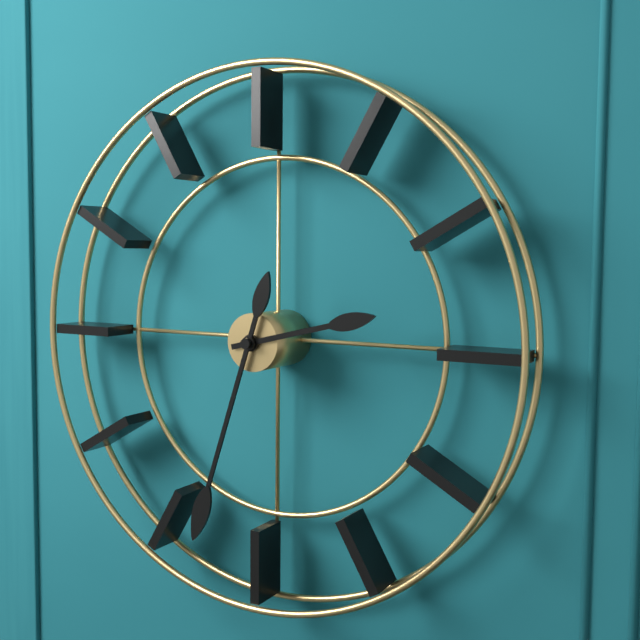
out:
{"hour": 2, "minute": 33}
